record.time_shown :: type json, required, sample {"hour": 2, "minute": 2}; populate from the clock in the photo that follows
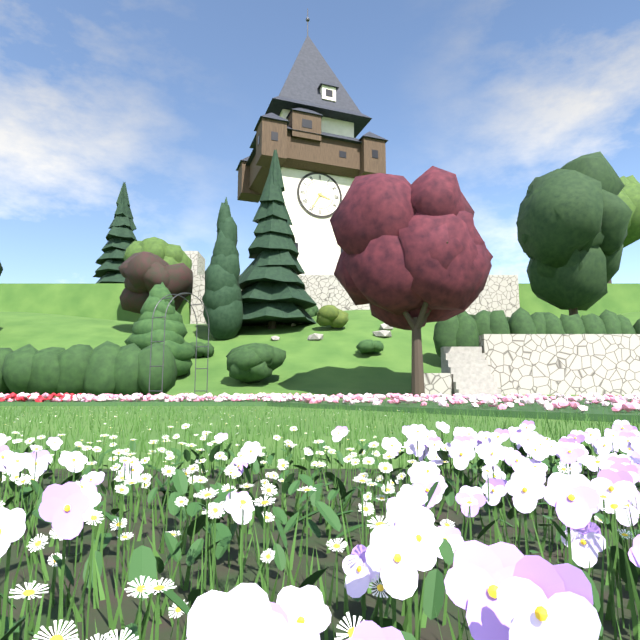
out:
{"hour": 3, "minute": 35}
